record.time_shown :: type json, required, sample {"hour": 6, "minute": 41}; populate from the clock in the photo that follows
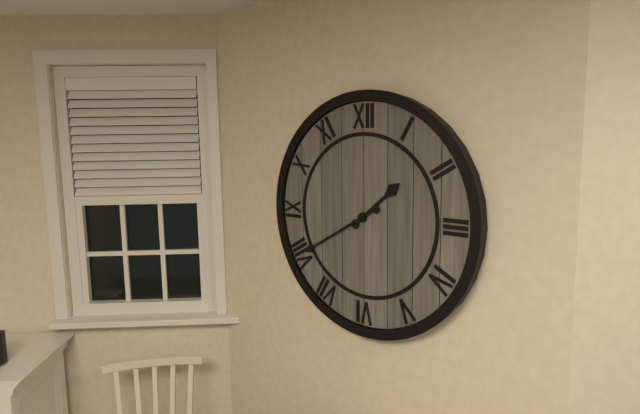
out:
{"hour": 1, "minute": 40}
